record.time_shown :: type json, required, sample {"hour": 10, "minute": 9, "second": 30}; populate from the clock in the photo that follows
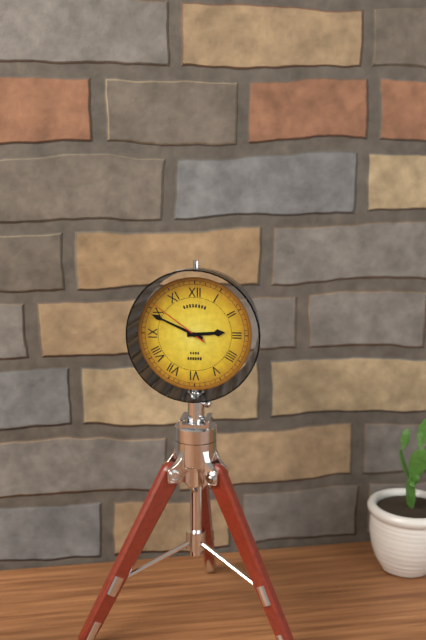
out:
{"hour": 2, "minute": 49, "second": 51}
